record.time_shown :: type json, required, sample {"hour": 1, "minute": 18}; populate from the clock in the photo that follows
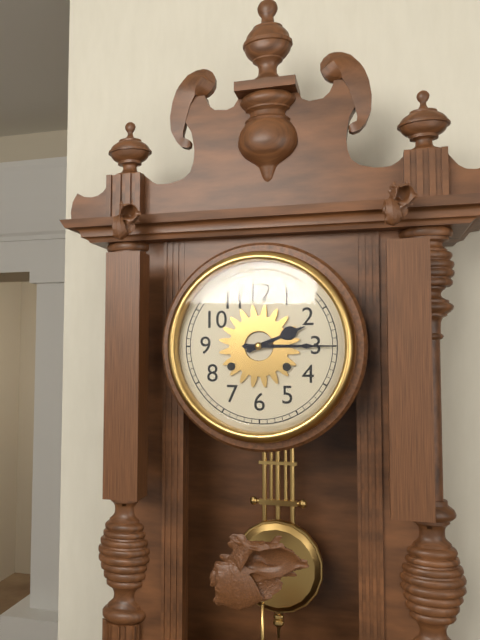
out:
{"hour": 2, "minute": 15}
